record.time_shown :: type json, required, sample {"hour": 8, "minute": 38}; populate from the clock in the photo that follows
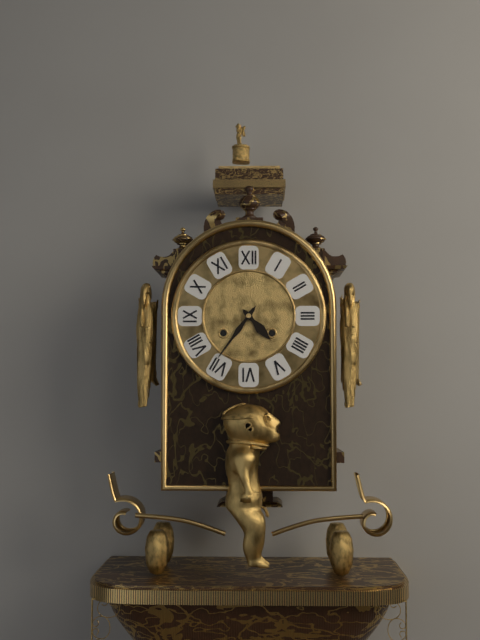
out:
{"hour": 4, "minute": 36}
